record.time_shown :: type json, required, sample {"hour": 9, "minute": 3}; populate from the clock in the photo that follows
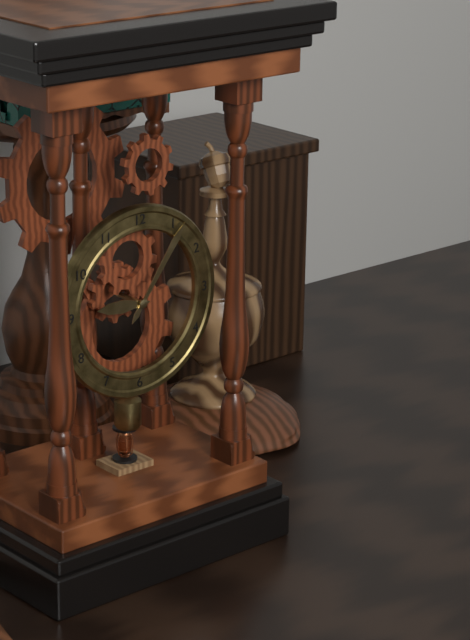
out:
{"hour": 9, "minute": 6}
